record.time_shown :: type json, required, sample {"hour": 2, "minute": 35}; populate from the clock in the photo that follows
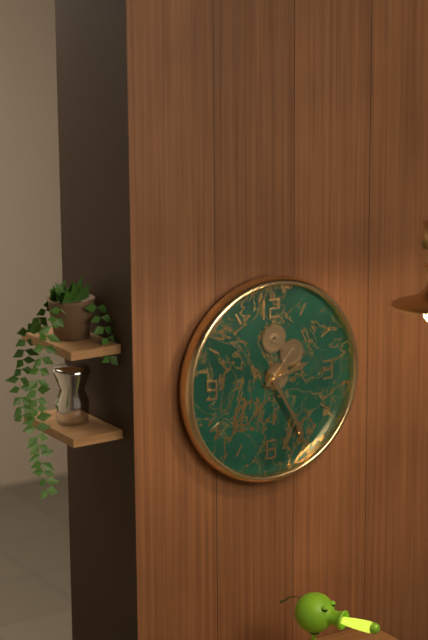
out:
{"hour": 2, "minute": 25}
